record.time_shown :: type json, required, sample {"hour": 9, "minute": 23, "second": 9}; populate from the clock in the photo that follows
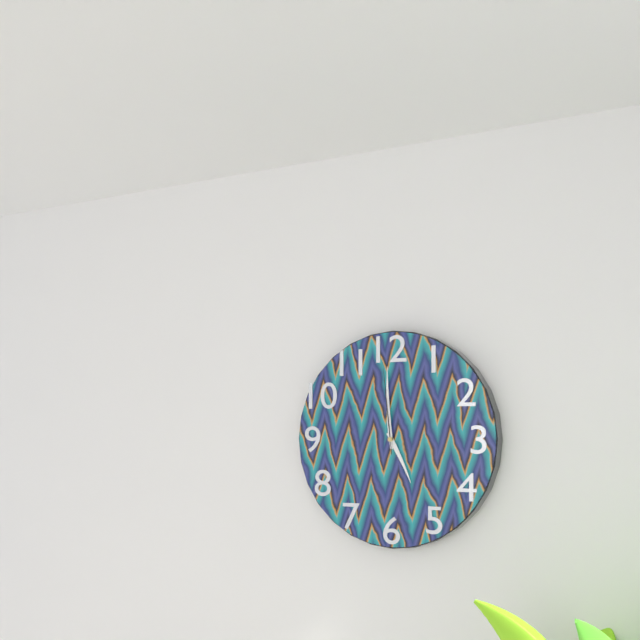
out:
{"hour": 4, "minute": 59, "second": 59}
